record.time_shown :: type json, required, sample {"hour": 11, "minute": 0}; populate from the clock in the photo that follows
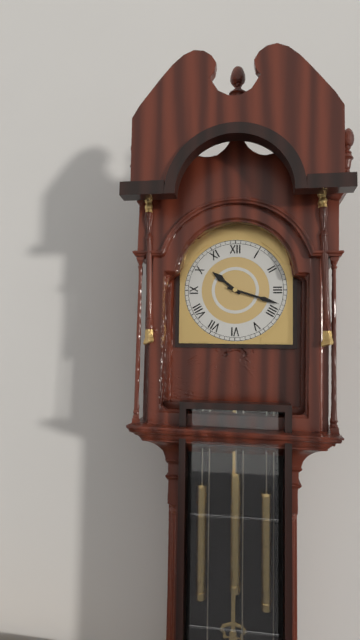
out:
{"hour": 10, "minute": 18}
